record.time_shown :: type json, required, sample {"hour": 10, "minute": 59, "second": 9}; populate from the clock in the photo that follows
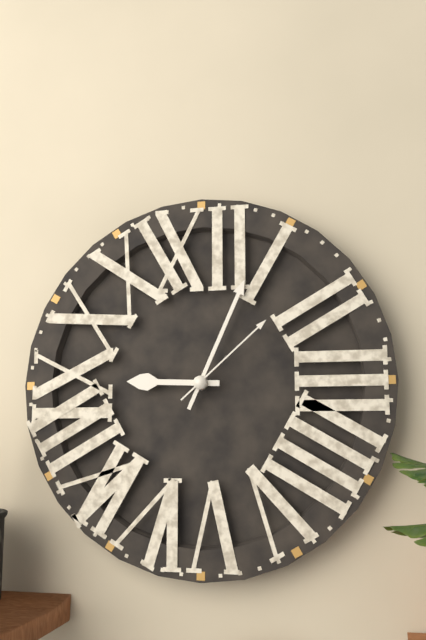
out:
{"hour": 9, "minute": 4, "second": 8}
